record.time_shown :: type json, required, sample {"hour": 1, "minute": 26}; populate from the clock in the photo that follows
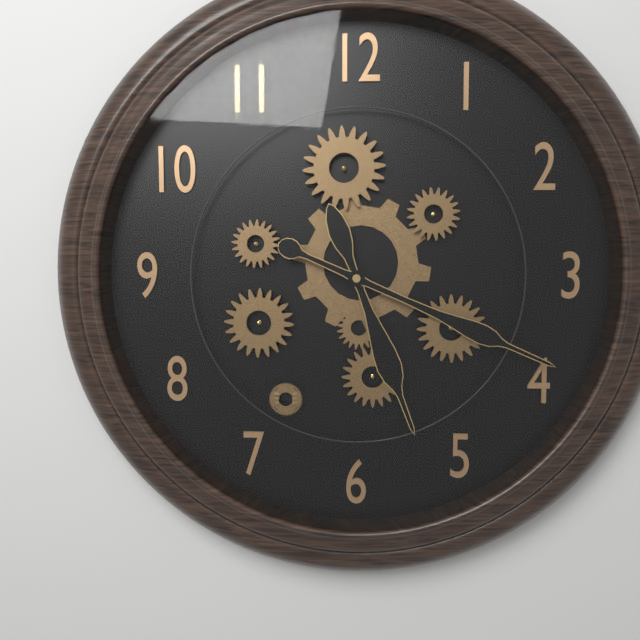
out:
{"hour": 5, "minute": 19}
